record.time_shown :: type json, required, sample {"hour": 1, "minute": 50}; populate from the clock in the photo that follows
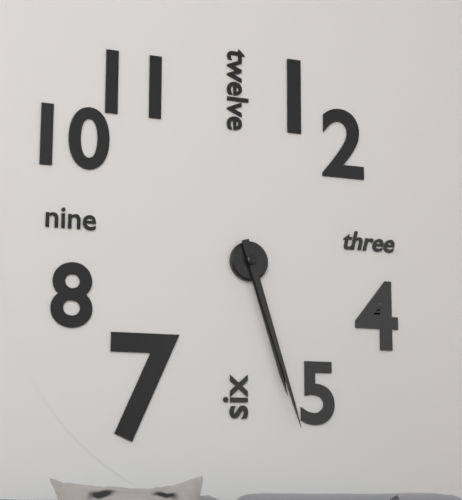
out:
{"hour": 5, "minute": 27}
